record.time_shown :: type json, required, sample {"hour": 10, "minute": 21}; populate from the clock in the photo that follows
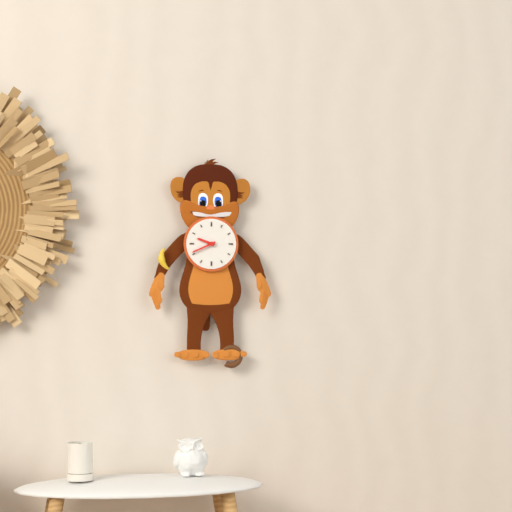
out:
{"hour": 9, "minute": 41}
